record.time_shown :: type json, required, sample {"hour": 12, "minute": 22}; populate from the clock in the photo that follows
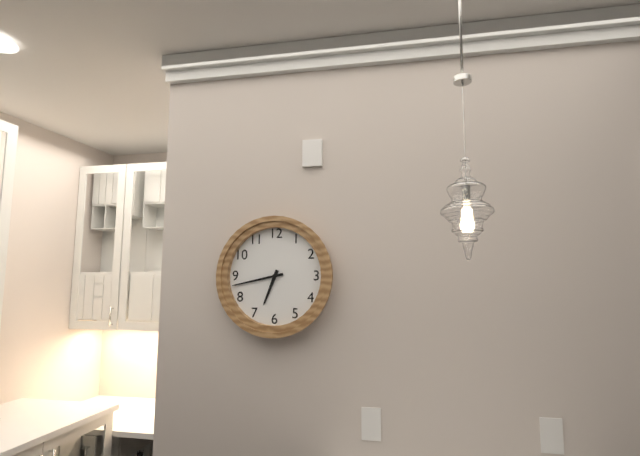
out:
{"hour": 6, "minute": 43}
